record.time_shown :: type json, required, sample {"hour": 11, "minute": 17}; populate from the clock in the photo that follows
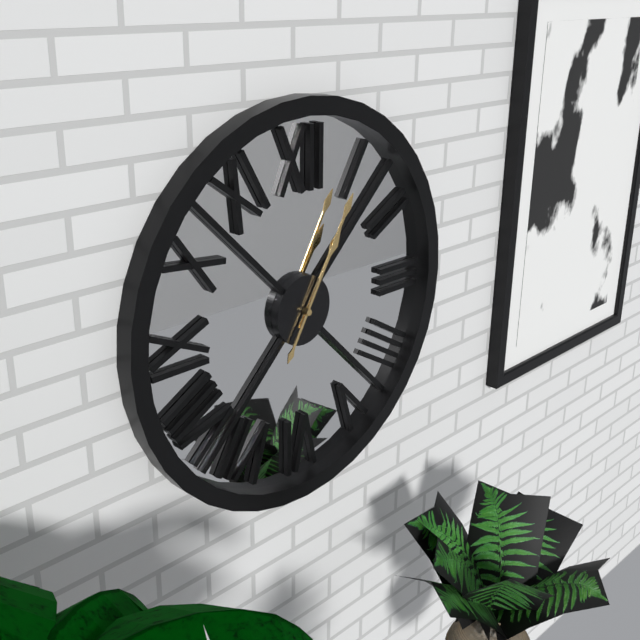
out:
{"hour": 1, "minute": 5}
